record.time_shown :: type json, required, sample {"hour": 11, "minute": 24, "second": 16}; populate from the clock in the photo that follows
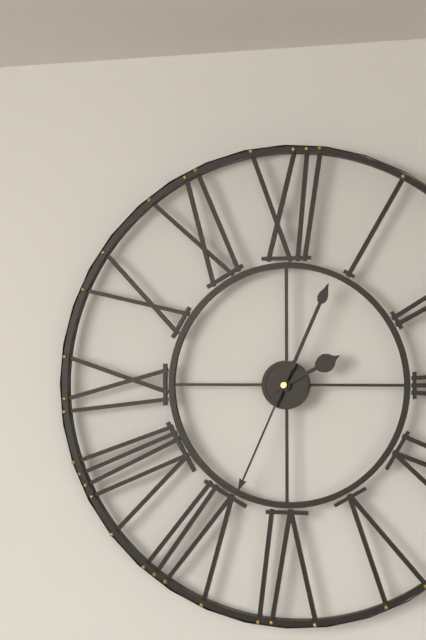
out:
{"hour": 2, "minute": 4, "second": 34}
